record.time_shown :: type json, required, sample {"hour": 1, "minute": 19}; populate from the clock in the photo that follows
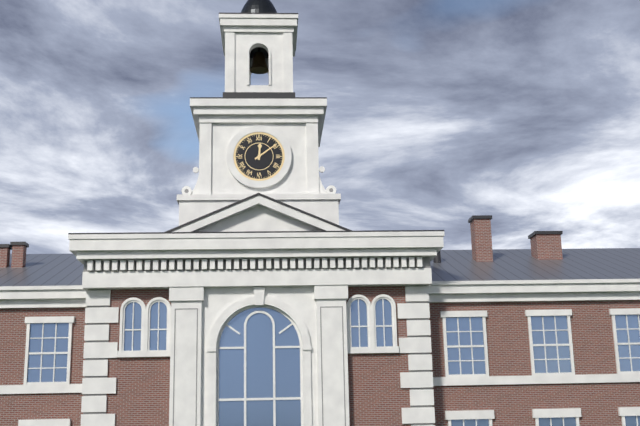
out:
{"hour": 12, "minute": 9}
